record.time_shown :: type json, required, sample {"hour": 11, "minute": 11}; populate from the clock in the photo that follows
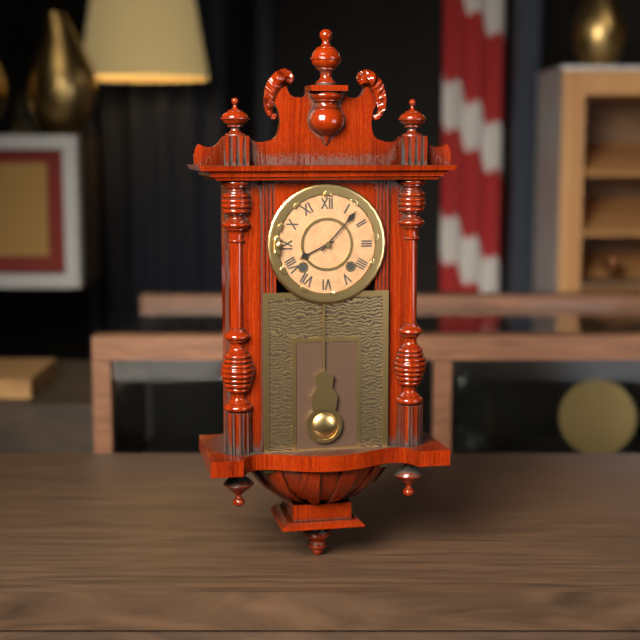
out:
{"hour": 8, "minute": 7}
